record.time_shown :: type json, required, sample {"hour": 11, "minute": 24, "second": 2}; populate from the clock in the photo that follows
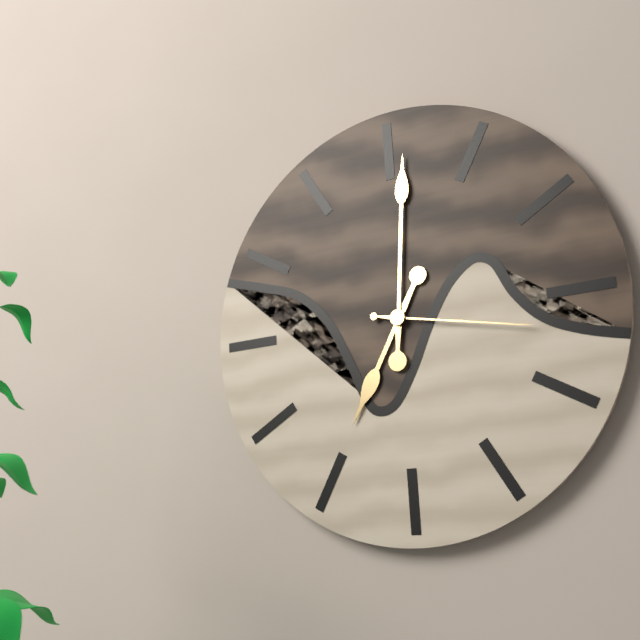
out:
{"hour": 7, "minute": 1, "second": 17}
